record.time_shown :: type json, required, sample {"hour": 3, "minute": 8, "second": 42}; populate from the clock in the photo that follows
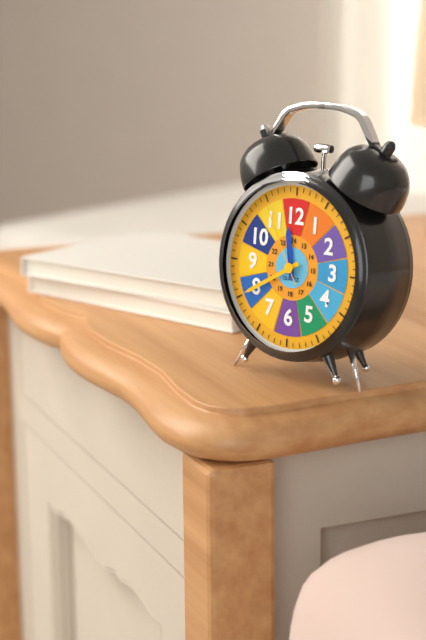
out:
{"hour": 11, "minute": 40, "second": 55}
